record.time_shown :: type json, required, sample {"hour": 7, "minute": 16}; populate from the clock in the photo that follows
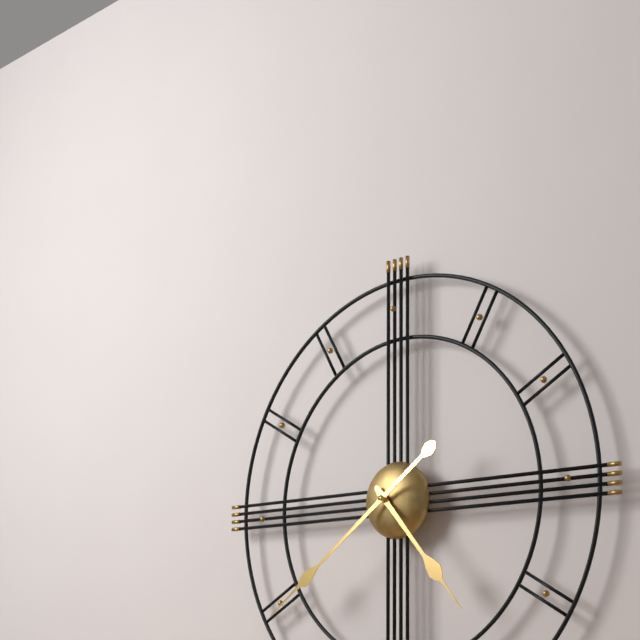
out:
{"hour": 4, "minute": 39}
